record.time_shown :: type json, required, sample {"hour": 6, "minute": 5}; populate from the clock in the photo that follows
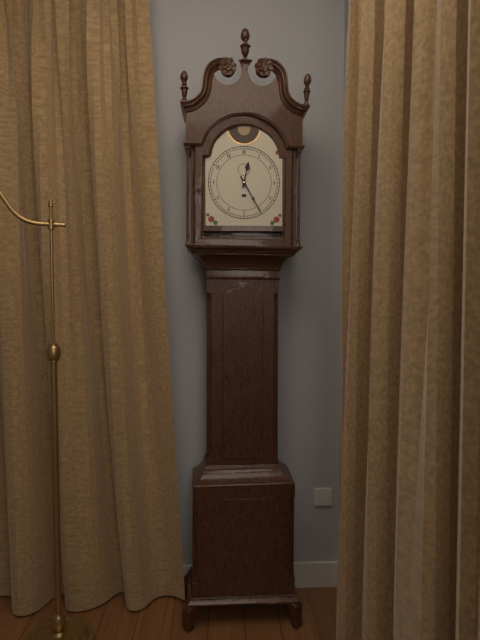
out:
{"hour": 12, "minute": 25}
